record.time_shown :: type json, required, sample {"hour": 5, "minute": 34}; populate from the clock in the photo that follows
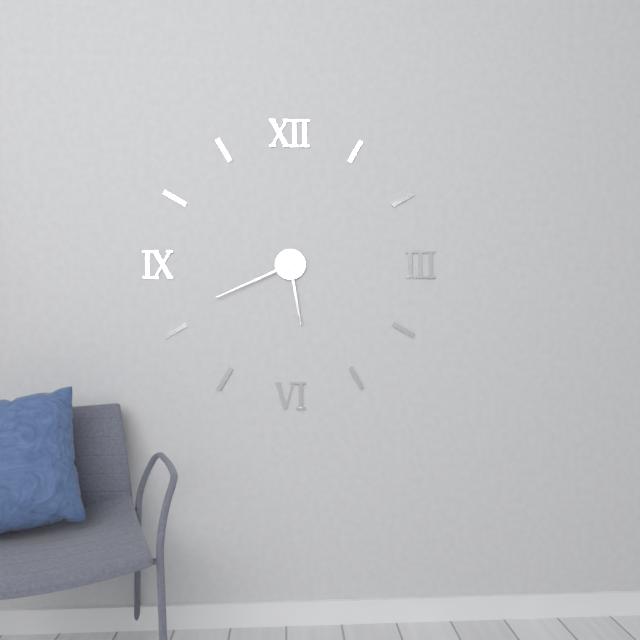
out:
{"hour": 5, "minute": 41}
